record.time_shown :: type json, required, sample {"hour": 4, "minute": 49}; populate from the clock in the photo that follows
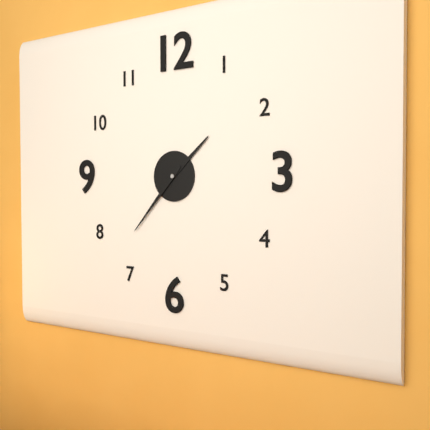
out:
{"hour": 1, "minute": 37}
